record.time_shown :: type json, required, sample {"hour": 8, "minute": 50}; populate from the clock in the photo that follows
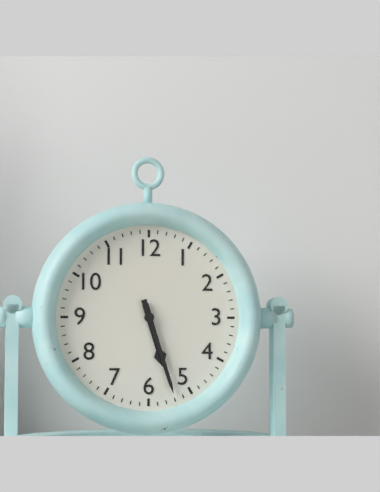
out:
{"hour": 5, "minute": 27}
